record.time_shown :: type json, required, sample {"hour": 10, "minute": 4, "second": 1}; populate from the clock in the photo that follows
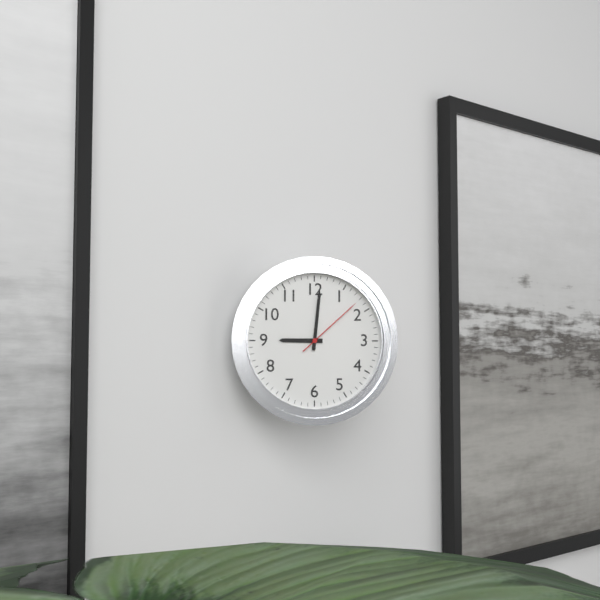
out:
{"hour": 9, "minute": 1, "second": 8}
